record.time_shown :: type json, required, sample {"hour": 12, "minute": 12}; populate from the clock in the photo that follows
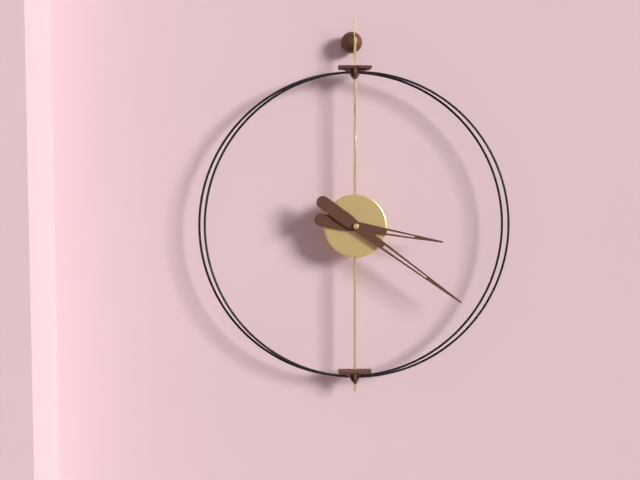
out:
{"hour": 3, "minute": 21}
